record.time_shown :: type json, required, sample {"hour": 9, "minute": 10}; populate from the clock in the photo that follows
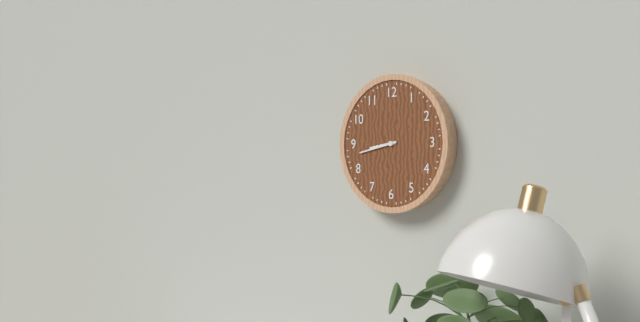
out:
{"hour": 8, "minute": 43}
